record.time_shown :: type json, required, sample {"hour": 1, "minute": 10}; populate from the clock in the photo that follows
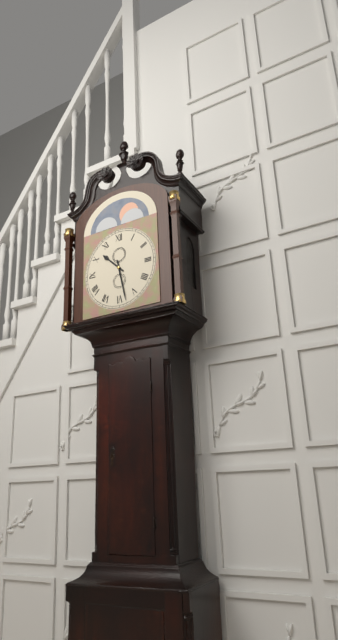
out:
{"hour": 10, "minute": 28}
